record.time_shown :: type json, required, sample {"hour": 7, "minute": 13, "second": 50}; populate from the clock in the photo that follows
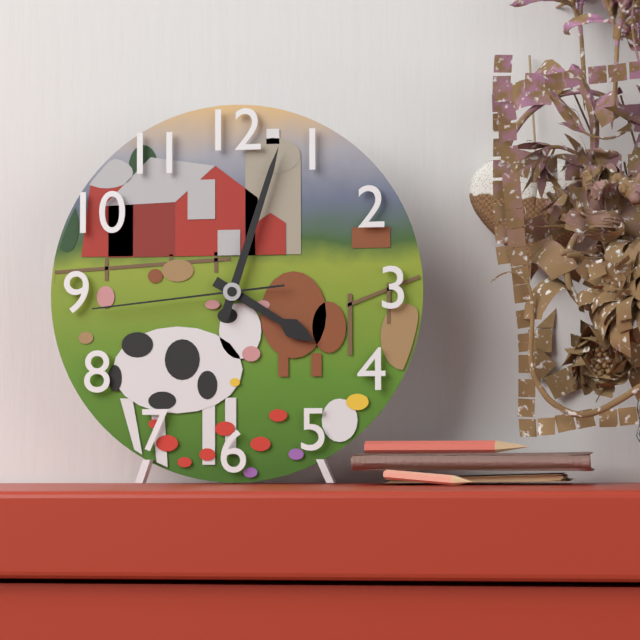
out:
{"hour": 4, "minute": 3, "second": 44}
